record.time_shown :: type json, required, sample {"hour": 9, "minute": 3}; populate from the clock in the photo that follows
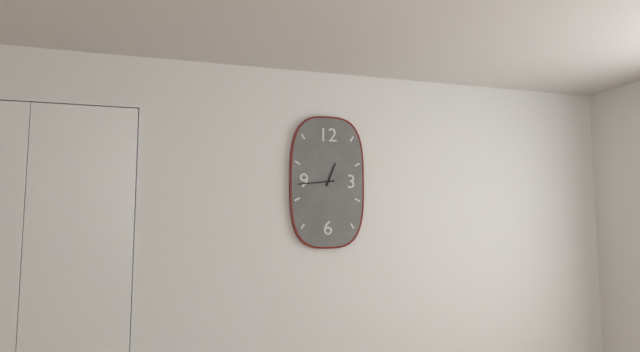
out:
{"hour": 12, "minute": 44}
